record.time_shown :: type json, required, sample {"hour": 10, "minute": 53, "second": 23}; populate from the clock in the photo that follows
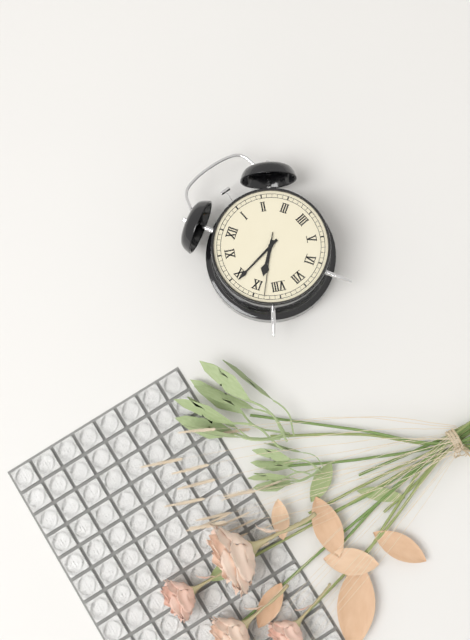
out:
{"hour": 8, "minute": 49, "second": 43}
